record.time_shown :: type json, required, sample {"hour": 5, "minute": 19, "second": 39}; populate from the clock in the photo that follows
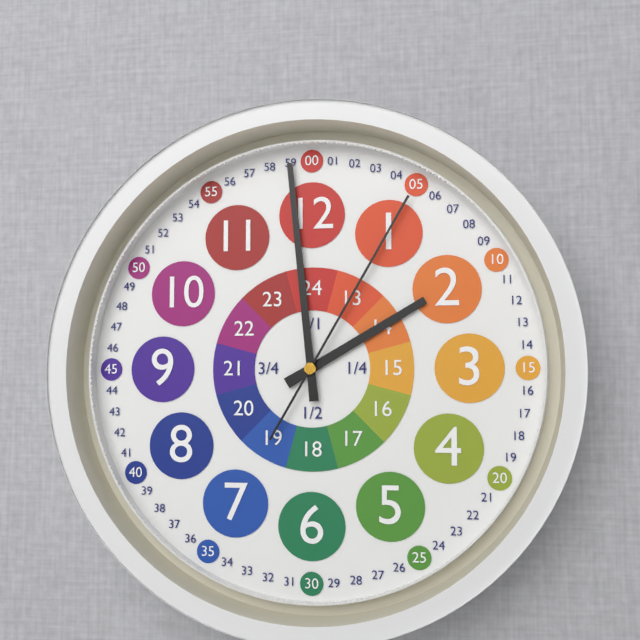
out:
{"hour": 1, "minute": 59, "second": 5}
